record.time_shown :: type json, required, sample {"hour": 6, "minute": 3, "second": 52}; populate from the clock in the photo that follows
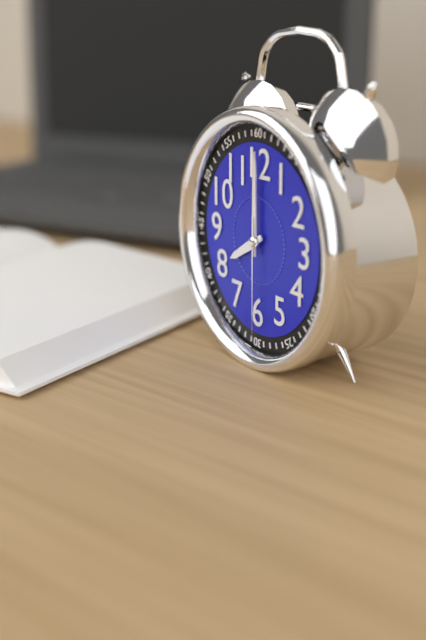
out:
{"hour": 8, "minute": 0, "second": 30}
